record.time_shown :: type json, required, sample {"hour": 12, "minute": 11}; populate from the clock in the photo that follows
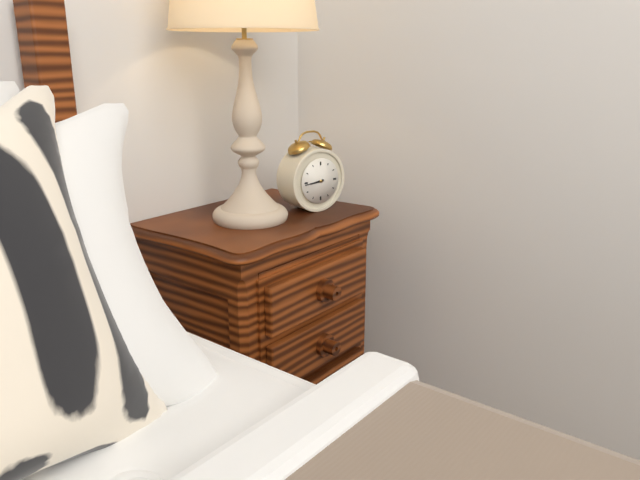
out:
{"hour": 8, "minute": 44}
